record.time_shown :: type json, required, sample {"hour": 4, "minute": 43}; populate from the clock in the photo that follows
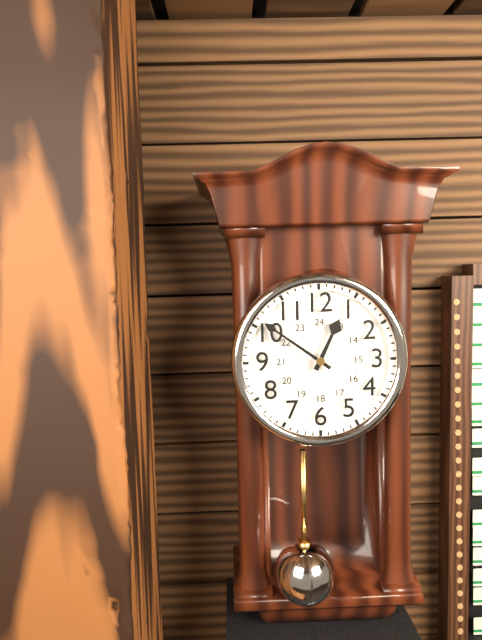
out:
{"hour": 12, "minute": 51}
